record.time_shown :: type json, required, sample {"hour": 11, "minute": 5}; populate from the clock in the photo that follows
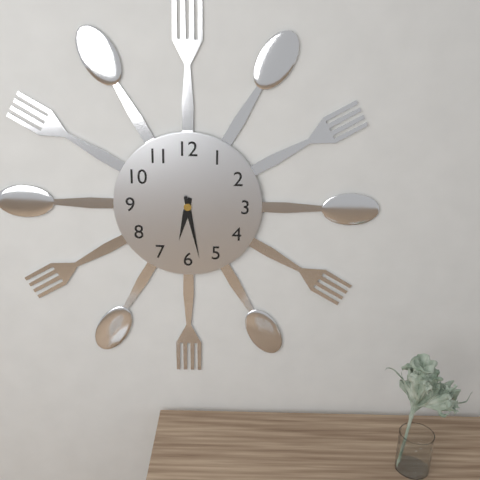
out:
{"hour": 6, "minute": 28}
